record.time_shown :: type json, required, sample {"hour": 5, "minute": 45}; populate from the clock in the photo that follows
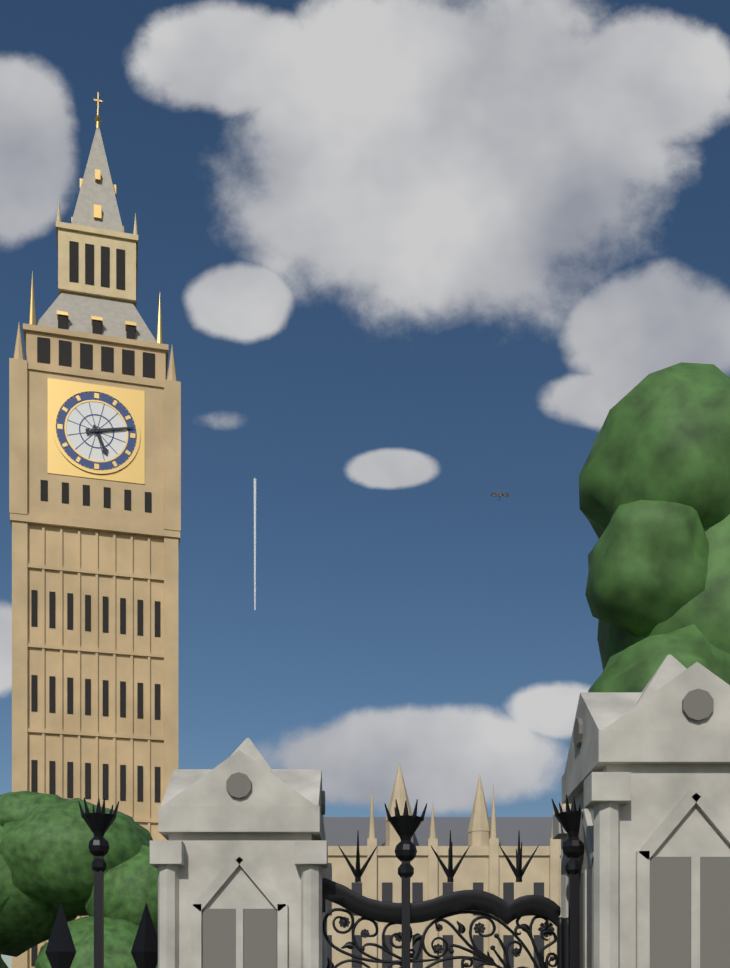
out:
{"hour": 5, "minute": 13}
